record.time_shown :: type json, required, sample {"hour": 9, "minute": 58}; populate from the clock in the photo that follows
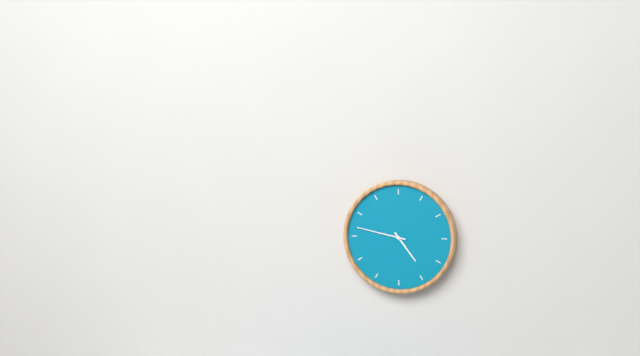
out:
{"hour": 4, "minute": 47}
